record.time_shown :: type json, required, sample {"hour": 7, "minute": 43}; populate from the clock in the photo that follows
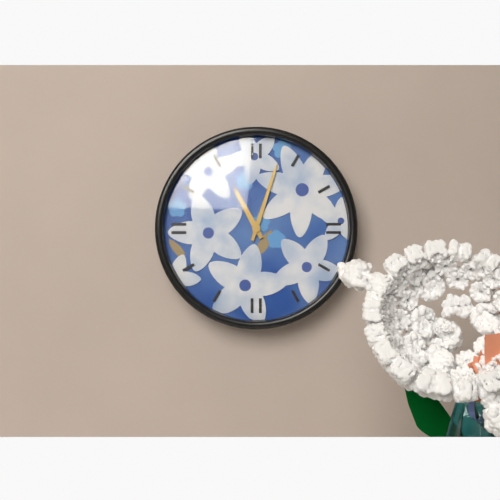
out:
{"hour": 11, "minute": 3}
